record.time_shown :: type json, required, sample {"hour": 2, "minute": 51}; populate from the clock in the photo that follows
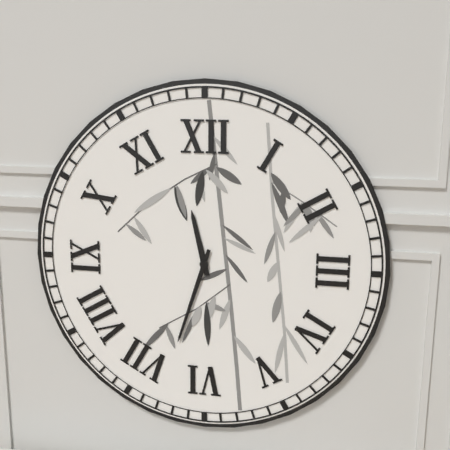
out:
{"hour": 11, "minute": 33}
